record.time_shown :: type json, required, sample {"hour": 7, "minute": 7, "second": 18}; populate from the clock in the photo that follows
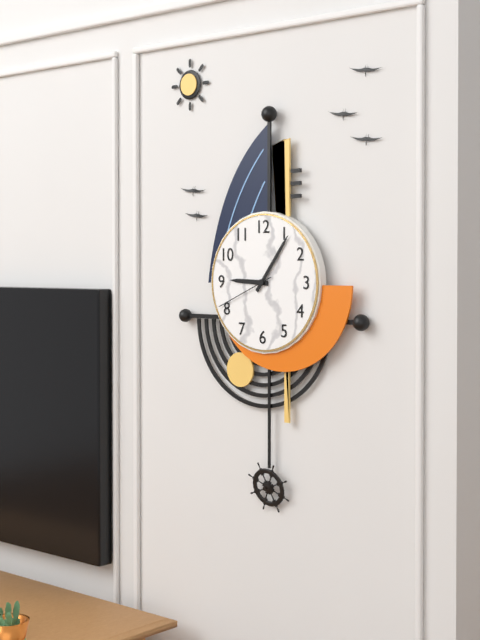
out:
{"hour": 9, "minute": 6, "second": 41}
